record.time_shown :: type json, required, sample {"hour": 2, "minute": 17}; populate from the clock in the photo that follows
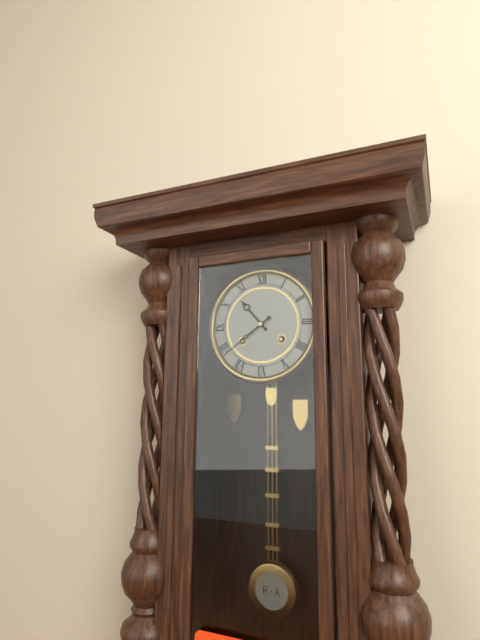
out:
{"hour": 10, "minute": 39}
